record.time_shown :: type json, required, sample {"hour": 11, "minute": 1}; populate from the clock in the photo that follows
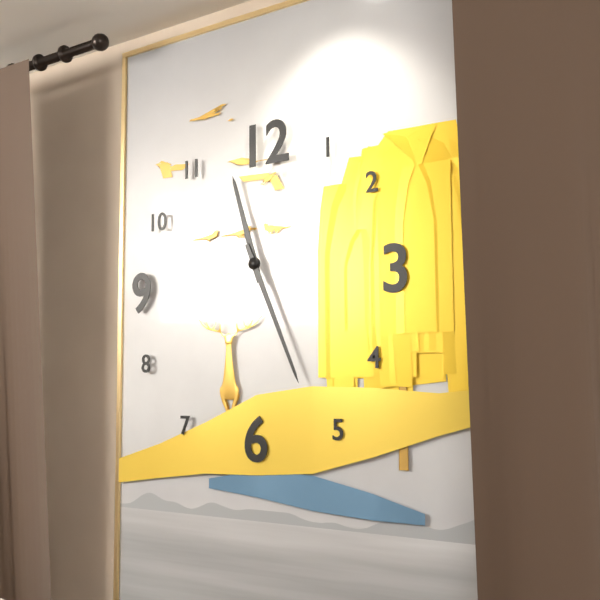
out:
{"hour": 11, "minute": 26}
